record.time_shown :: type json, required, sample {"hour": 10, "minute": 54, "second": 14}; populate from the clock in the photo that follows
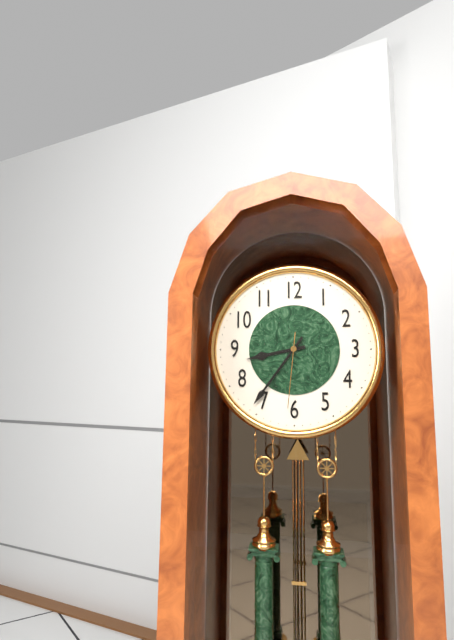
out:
{"hour": 8, "minute": 36, "second": 31}
